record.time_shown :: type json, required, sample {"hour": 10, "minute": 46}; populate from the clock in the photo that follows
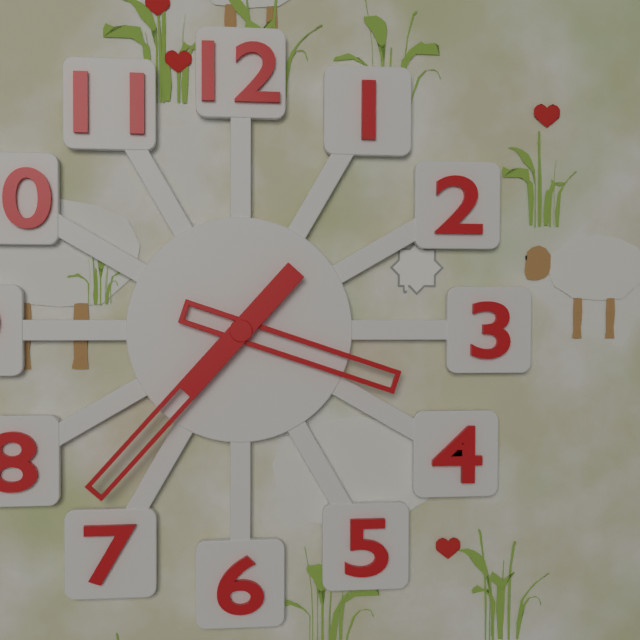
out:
{"hour": 3, "minute": 37}
